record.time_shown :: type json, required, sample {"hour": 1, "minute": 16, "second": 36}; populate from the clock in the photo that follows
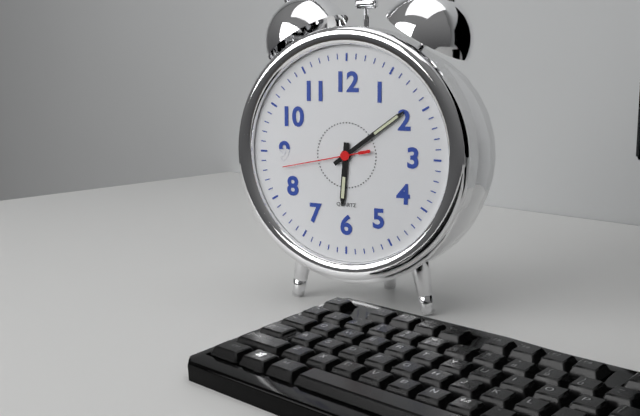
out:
{"hour": 6, "minute": 9, "second": 43}
